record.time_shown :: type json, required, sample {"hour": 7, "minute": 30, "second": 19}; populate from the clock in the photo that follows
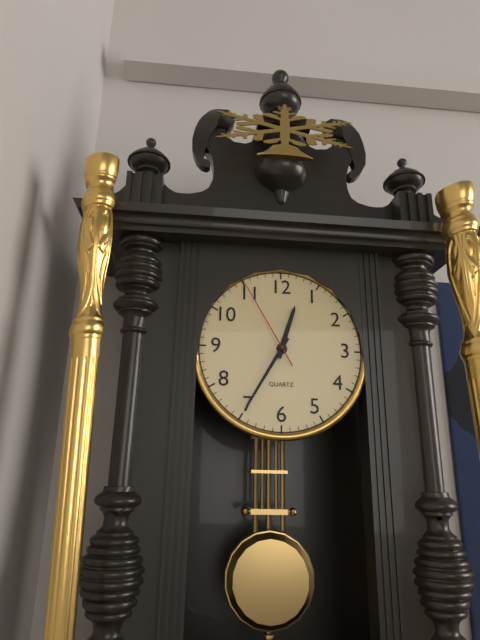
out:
{"hour": 12, "minute": 35, "second": 55}
